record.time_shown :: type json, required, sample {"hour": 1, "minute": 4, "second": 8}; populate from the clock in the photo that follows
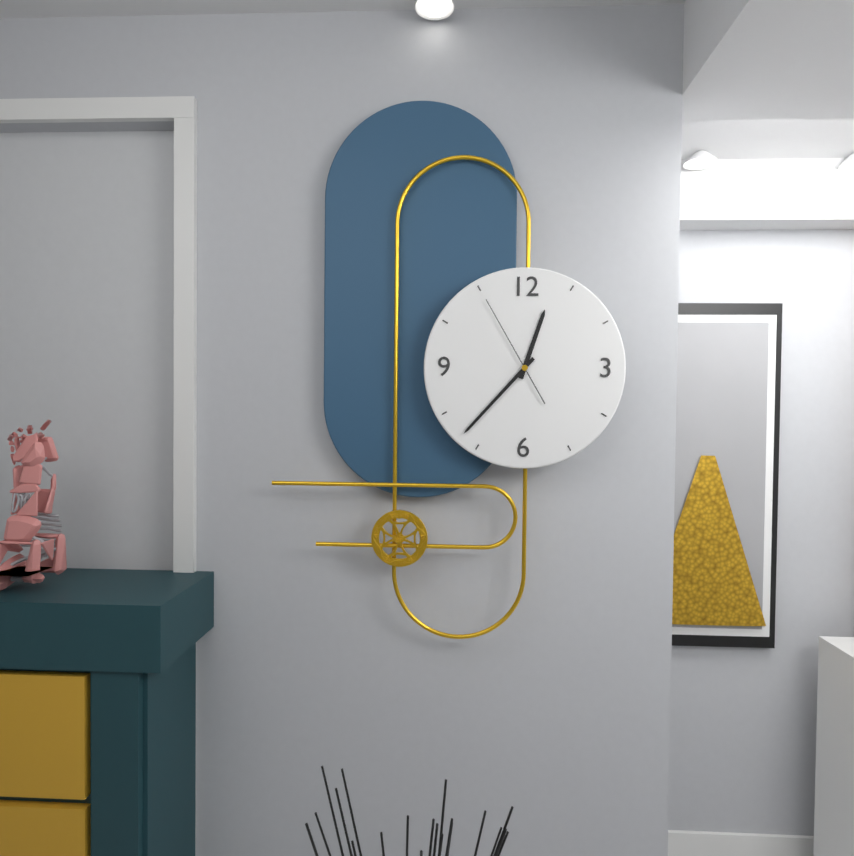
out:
{"hour": 12, "minute": 37, "second": 55}
